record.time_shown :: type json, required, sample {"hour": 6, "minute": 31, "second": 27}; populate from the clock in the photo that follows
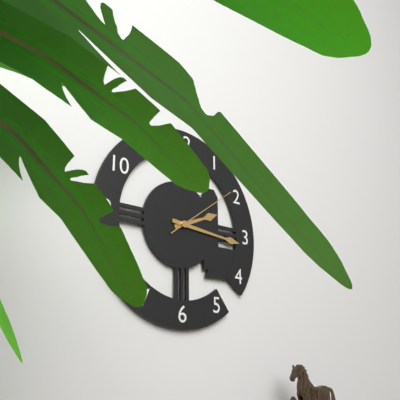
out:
{"hour": 2, "minute": 16, "second": 9}
